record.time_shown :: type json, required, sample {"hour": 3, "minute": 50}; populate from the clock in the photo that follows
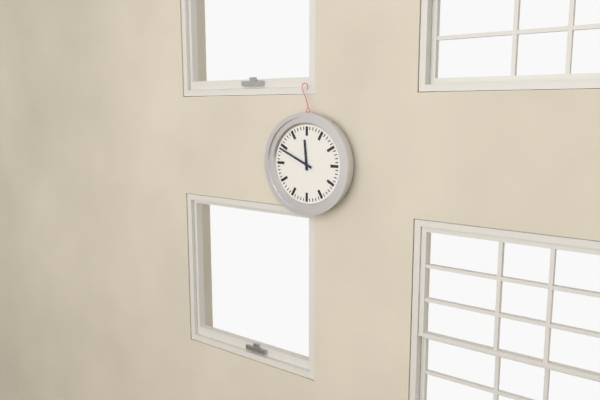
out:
{"hour": 11, "minute": 49}
